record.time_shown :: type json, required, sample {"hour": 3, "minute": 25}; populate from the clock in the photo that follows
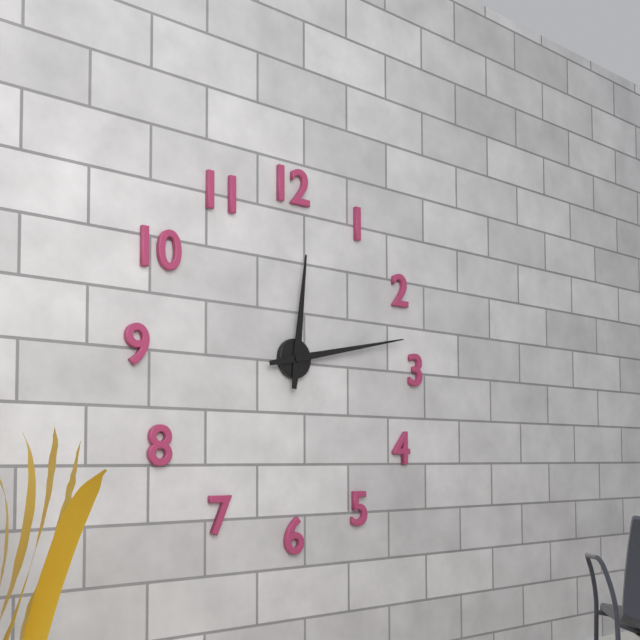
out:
{"hour": 12, "minute": 13}
